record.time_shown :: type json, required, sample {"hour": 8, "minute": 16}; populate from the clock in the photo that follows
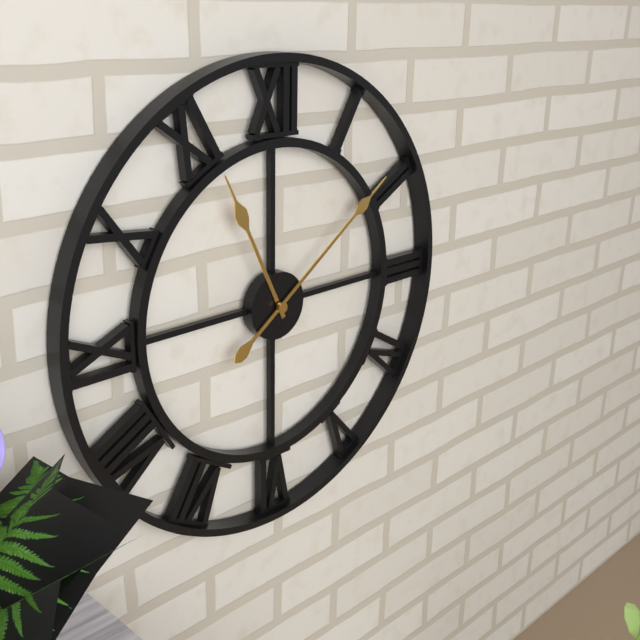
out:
{"hour": 11, "minute": 9}
